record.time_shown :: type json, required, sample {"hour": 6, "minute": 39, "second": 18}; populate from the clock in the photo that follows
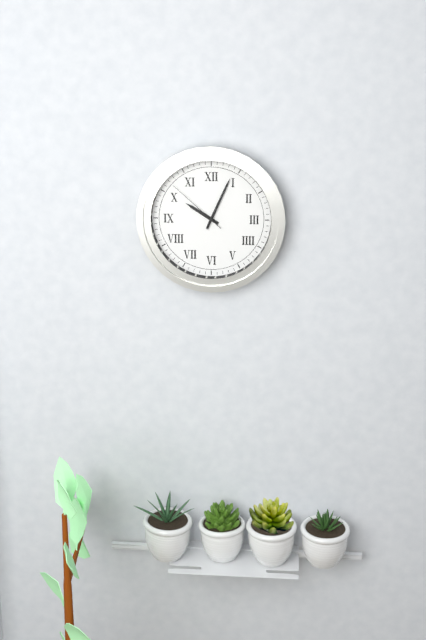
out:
{"hour": 10, "minute": 4, "second": 52}
